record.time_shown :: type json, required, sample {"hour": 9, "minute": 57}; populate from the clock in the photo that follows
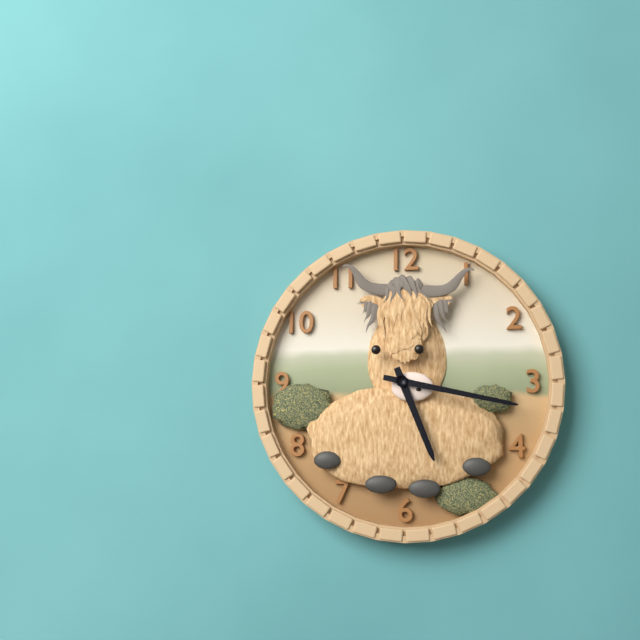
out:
{"hour": 5, "minute": 17}
